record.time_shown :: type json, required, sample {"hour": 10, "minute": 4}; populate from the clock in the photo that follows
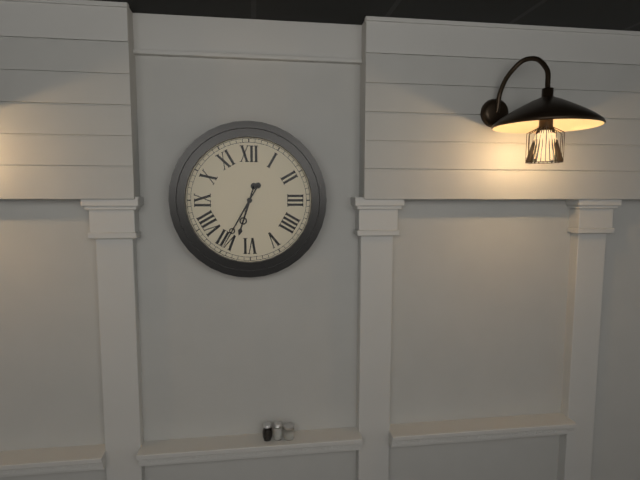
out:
{"hour": 6, "minute": 35}
